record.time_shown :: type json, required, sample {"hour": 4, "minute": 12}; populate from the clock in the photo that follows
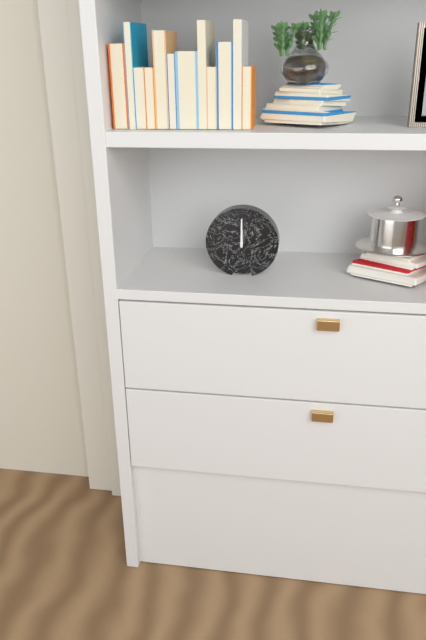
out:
{"hour": 12, "minute": 0}
